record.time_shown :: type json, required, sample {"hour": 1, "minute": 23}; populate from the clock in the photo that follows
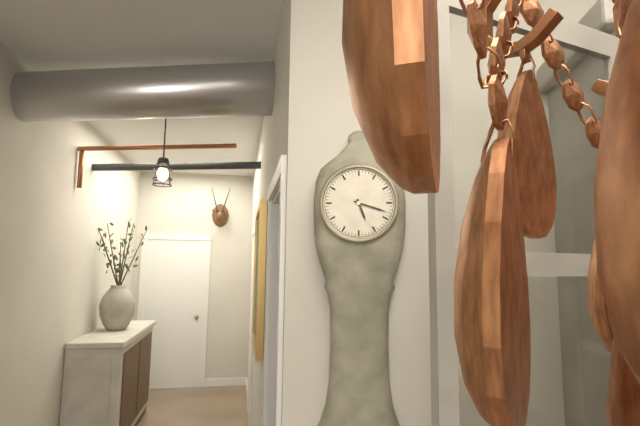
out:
{"hour": 5, "minute": 18}
